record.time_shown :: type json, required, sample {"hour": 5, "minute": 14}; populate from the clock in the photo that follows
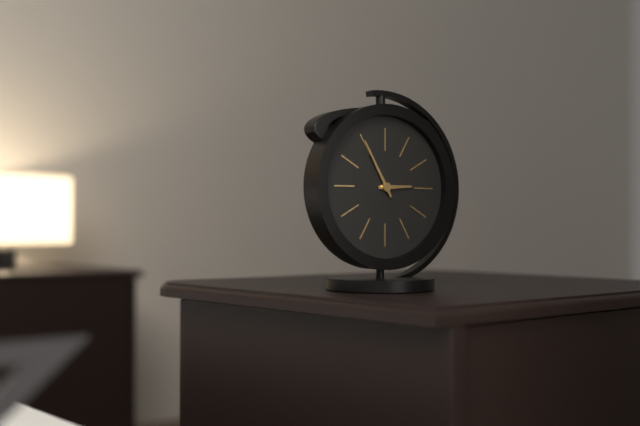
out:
{"hour": 2, "minute": 55}
